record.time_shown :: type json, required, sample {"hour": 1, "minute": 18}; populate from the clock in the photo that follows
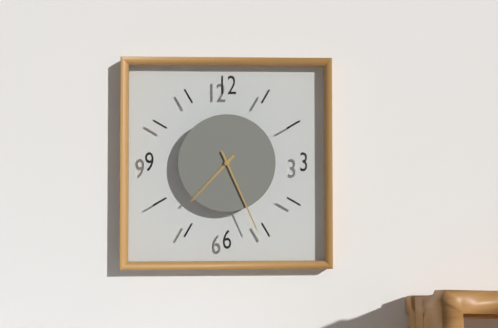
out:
{"hour": 7, "minute": 26}
